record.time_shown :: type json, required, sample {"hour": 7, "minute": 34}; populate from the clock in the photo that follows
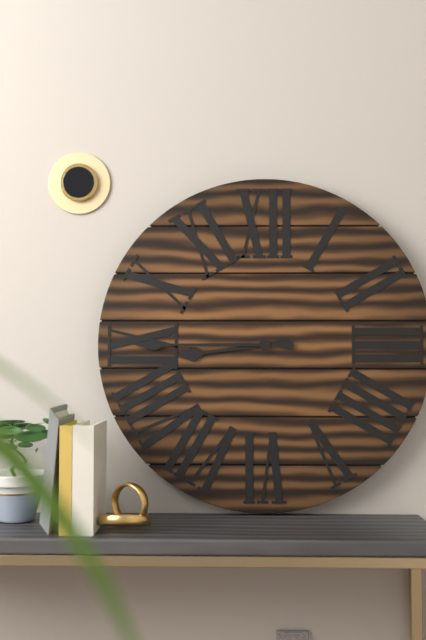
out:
{"hour": 8, "minute": 45}
